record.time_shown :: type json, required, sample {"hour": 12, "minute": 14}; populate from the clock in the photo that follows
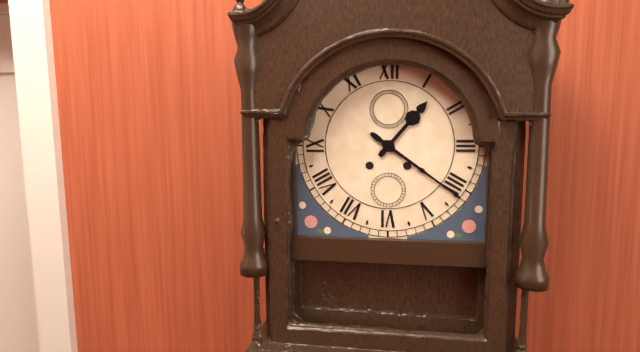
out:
{"hour": 1, "minute": 21}
